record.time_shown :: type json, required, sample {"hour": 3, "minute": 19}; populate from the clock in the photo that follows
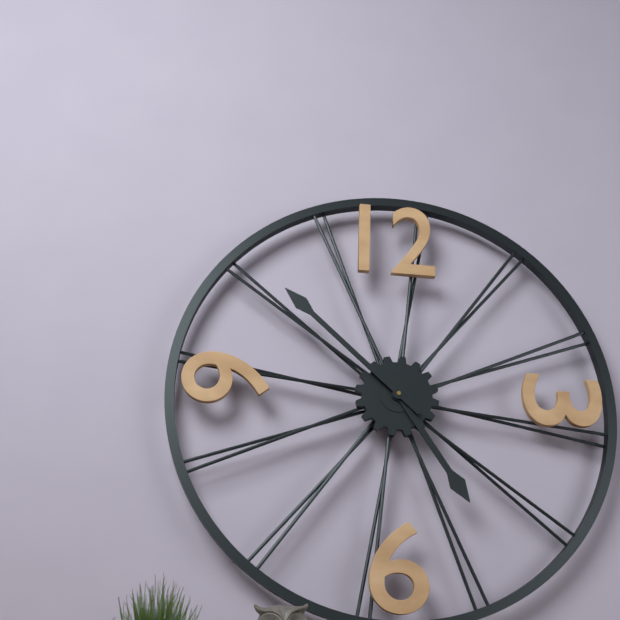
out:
{"hour": 4, "minute": 52}
